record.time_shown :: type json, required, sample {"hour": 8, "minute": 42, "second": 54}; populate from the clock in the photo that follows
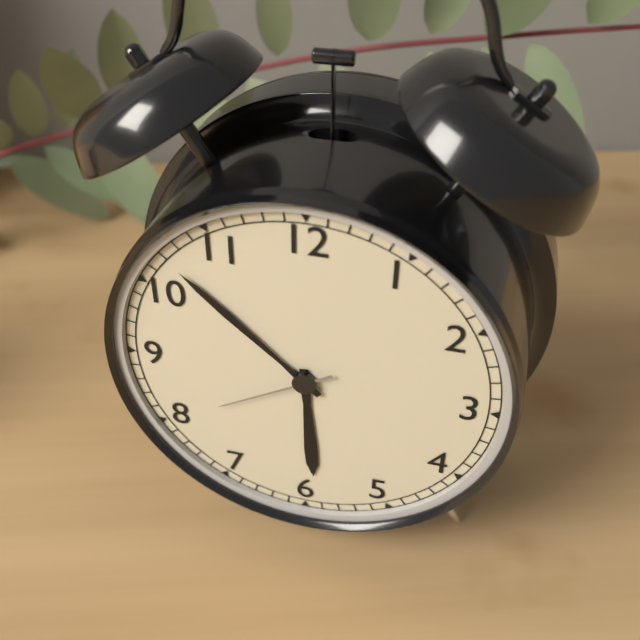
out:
{"hour": 5, "minute": 52, "second": 40}
